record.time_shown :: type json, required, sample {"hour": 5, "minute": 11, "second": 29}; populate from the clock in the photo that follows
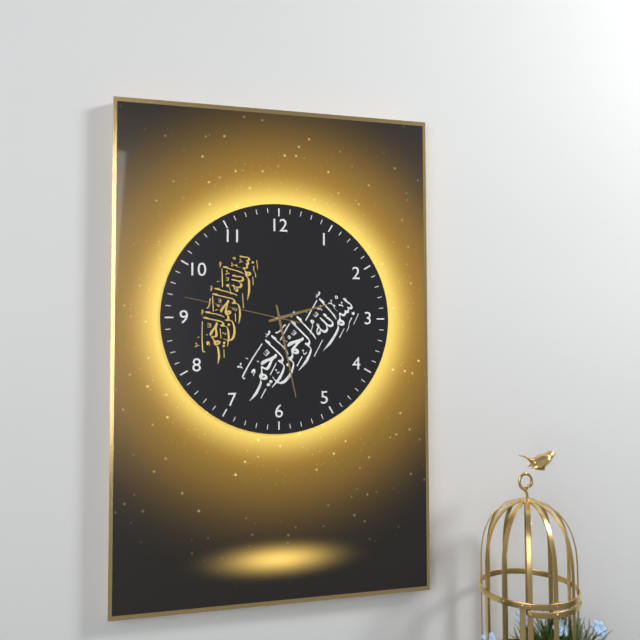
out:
{"hour": 2, "minute": 28, "second": 47}
